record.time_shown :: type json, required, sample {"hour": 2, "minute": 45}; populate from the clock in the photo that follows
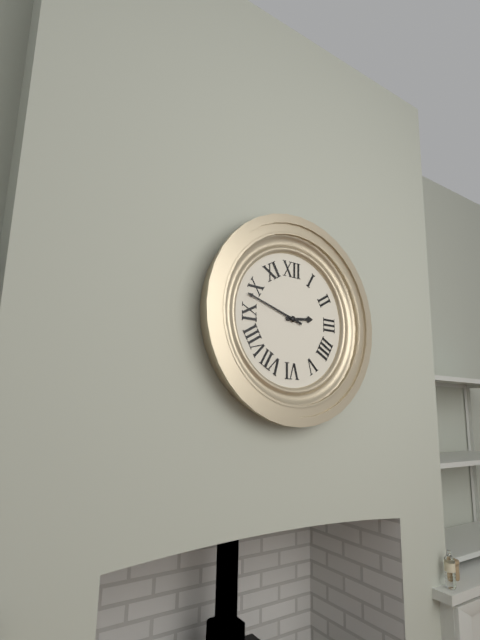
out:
{"hour": 2, "minute": 48}
